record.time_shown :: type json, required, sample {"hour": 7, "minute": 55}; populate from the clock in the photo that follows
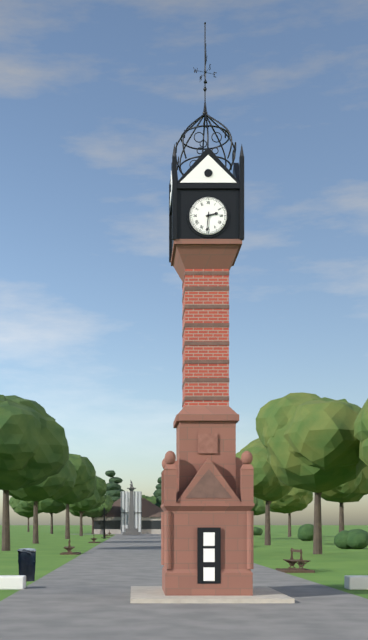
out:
{"hour": 2, "minute": 31}
